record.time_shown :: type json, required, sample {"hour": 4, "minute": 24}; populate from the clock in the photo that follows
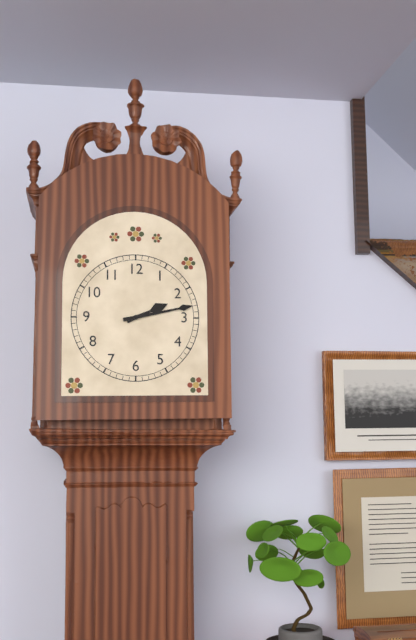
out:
{"hour": 2, "minute": 13}
